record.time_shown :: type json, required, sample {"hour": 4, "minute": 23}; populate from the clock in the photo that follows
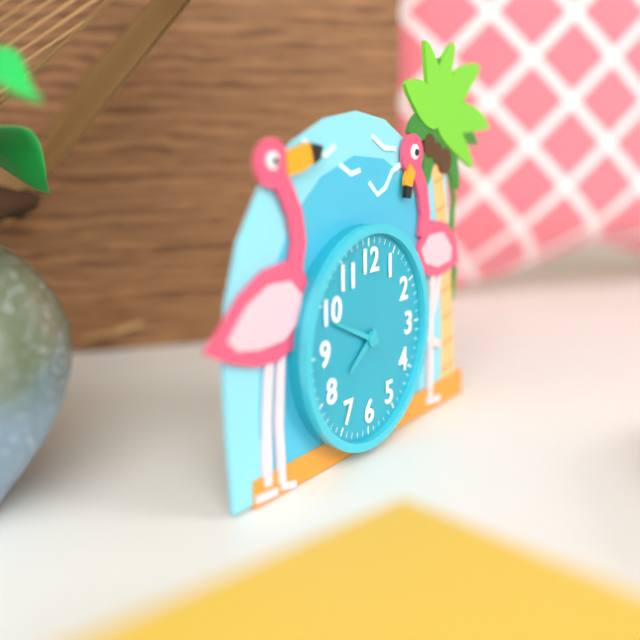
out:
{"hour": 7, "minute": 49}
